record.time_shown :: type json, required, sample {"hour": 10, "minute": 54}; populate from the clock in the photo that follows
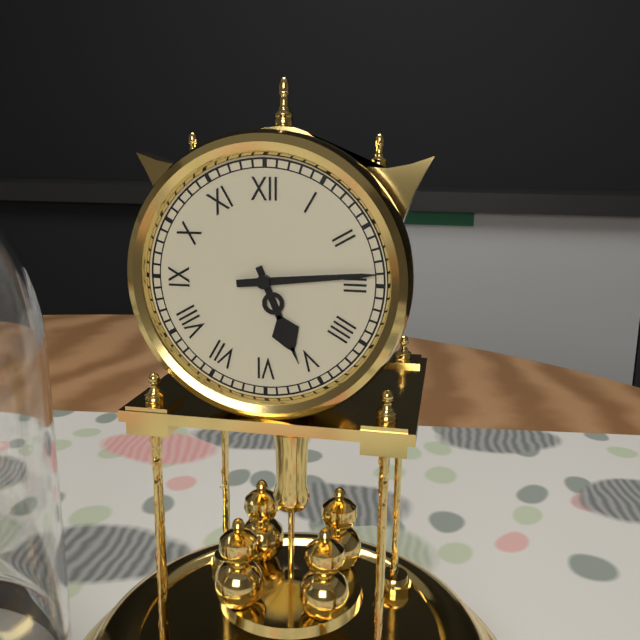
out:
{"hour": 5, "minute": 14}
